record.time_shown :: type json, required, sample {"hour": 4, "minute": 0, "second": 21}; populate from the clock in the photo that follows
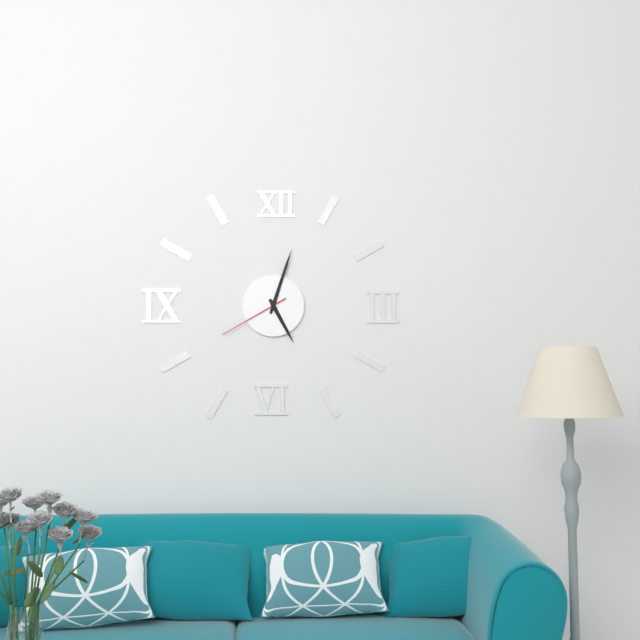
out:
{"hour": 5, "minute": 3, "second": 40}
